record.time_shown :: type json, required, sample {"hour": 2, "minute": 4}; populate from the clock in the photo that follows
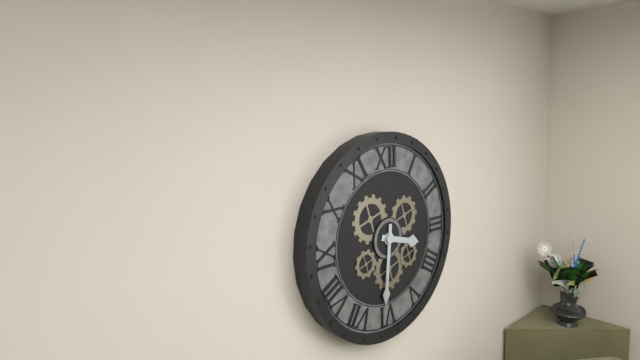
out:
{"hour": 3, "minute": 31}
